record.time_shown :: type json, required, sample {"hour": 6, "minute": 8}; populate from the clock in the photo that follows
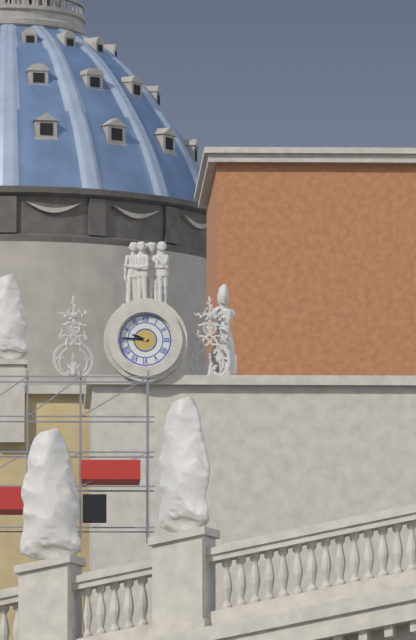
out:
{"hour": 9, "minute": 46}
